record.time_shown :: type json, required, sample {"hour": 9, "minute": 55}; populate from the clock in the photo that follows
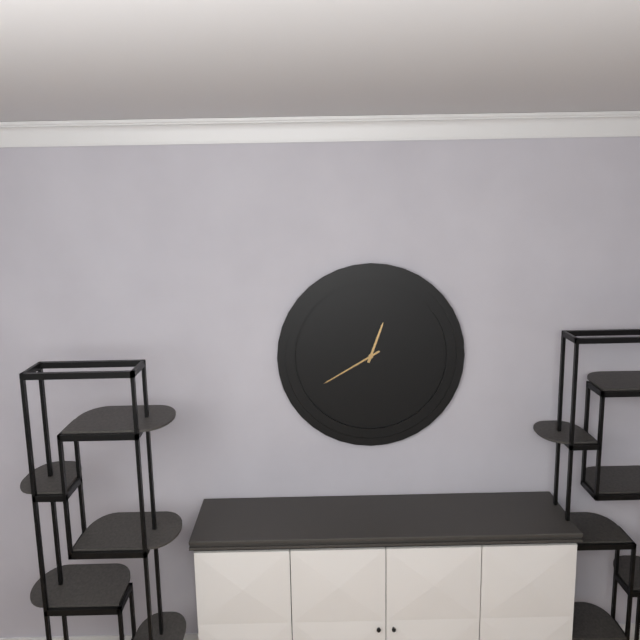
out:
{"hour": 12, "minute": 40}
